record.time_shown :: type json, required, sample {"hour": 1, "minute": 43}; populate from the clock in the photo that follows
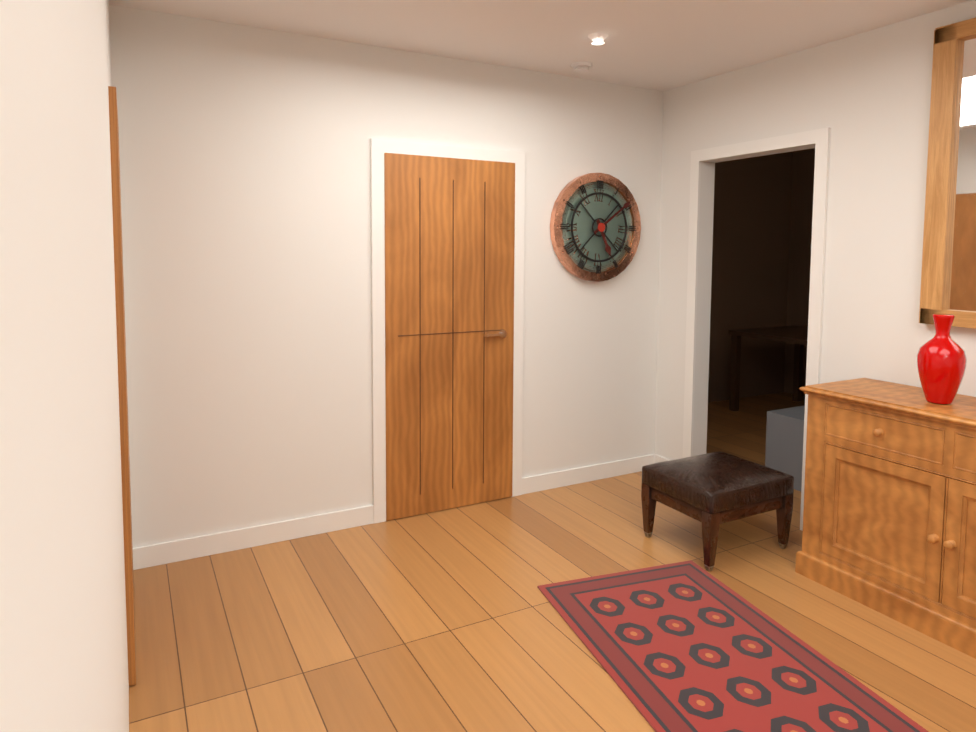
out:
{"hour": 5, "minute": 9}
